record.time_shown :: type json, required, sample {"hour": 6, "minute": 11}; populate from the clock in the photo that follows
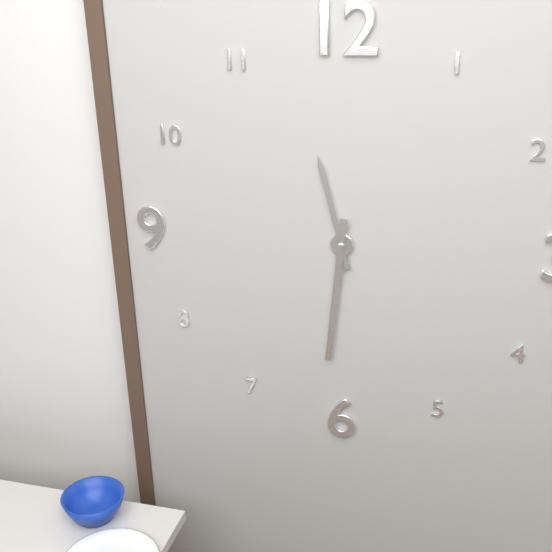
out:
{"hour": 11, "minute": 31}
